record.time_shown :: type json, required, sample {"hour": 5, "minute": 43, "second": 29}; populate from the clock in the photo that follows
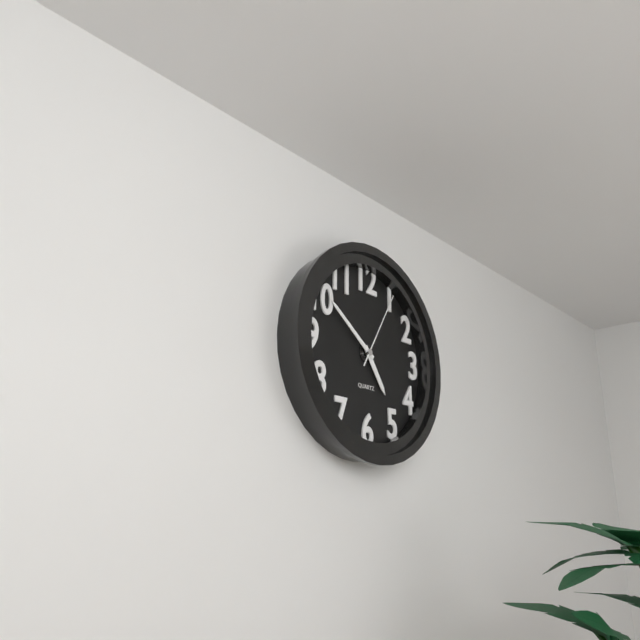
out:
{"hour": 4, "minute": 51, "second": 5}
